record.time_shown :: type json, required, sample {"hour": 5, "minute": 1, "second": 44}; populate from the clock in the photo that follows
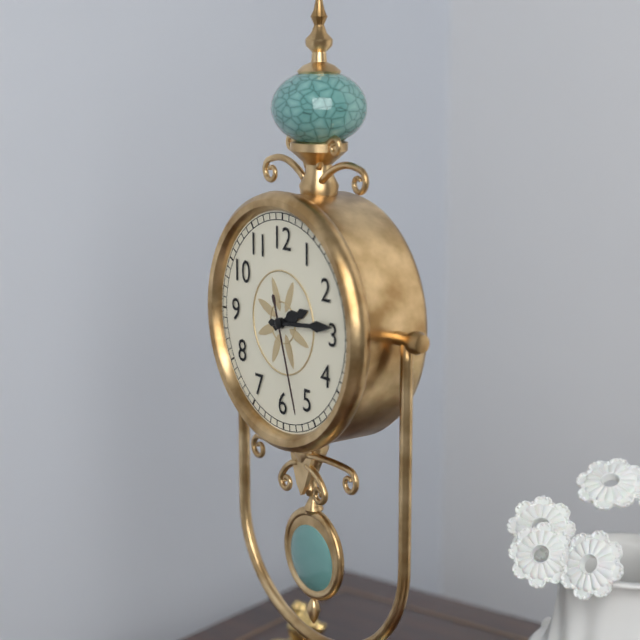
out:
{"hour": 2, "minute": 14, "second": 27}
